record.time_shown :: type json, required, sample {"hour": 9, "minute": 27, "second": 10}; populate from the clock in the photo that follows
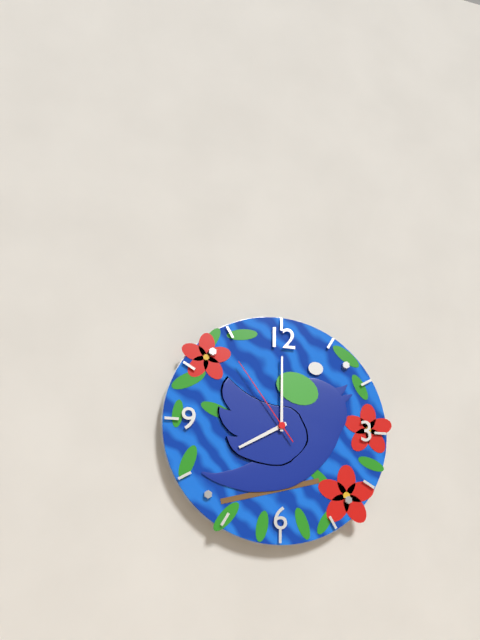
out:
{"hour": 8, "minute": 0, "second": 54}
